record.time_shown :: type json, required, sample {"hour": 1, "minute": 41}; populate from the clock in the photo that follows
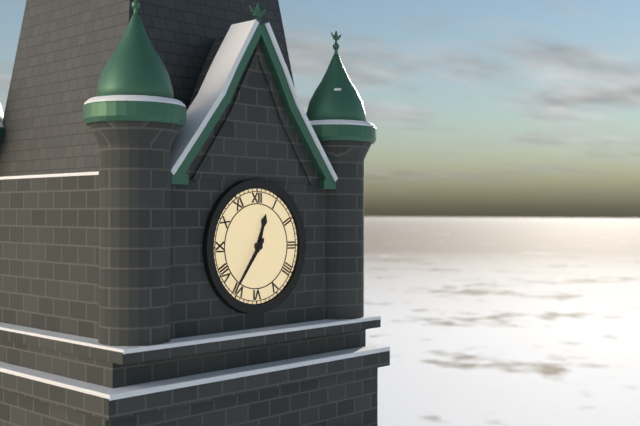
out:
{"hour": 12, "minute": 36}
